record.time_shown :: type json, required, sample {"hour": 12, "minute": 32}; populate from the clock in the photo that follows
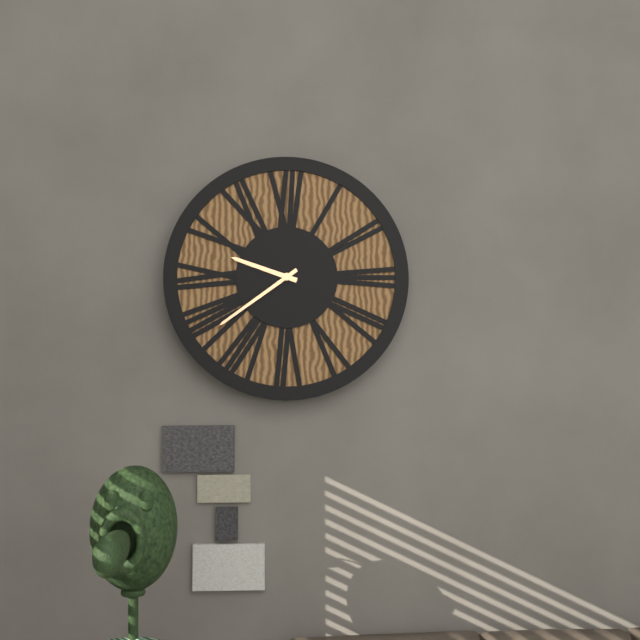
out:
{"hour": 9, "minute": 39}
